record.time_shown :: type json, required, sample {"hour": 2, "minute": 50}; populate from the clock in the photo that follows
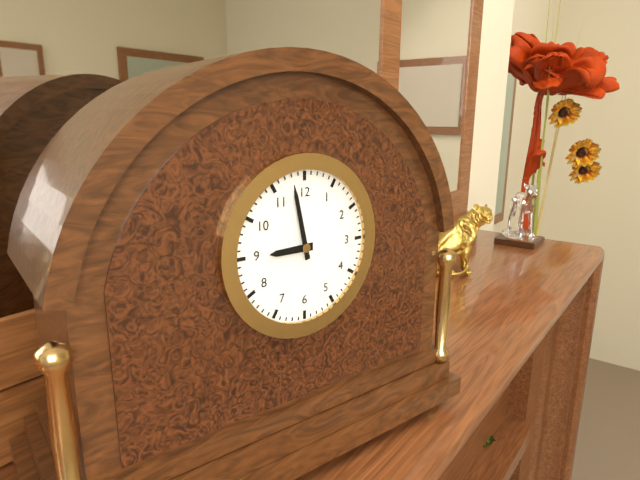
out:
{"hour": 8, "minute": 58}
